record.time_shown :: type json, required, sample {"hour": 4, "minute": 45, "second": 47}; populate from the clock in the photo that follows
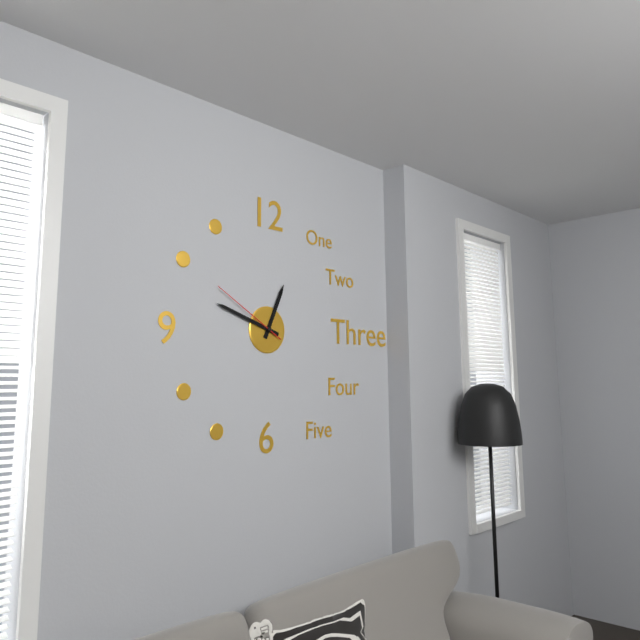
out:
{"hour": 12, "minute": 48, "second": 50}
